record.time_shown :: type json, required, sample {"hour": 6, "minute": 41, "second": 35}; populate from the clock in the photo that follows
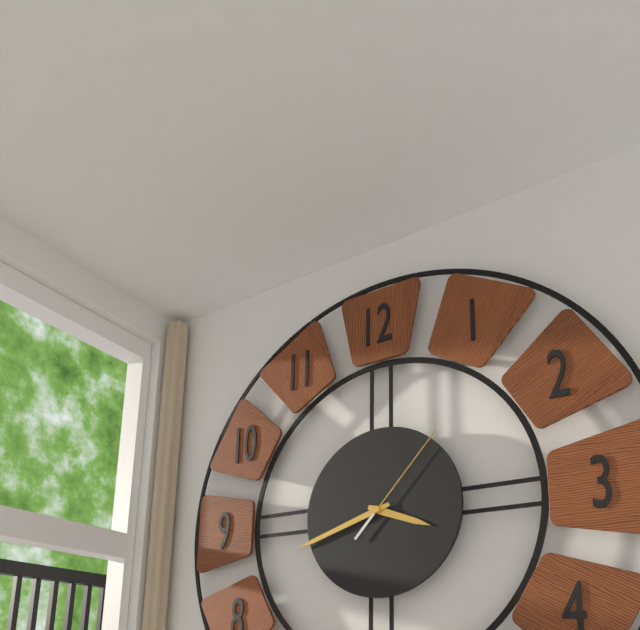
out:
{"hour": 3, "minute": 42, "second": 7}
